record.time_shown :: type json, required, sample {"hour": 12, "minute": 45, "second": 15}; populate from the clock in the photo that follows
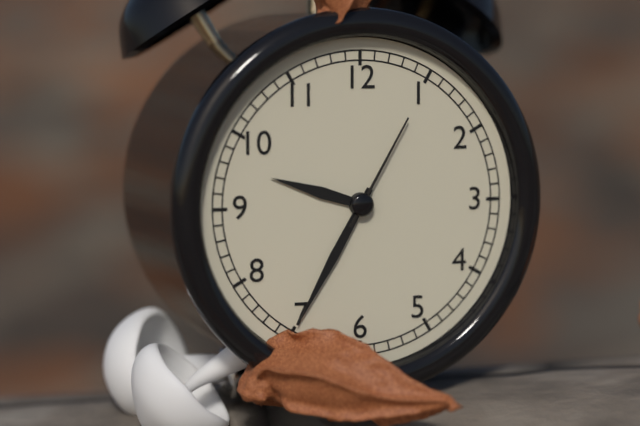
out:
{"hour": 9, "minute": 35, "second": 5}
